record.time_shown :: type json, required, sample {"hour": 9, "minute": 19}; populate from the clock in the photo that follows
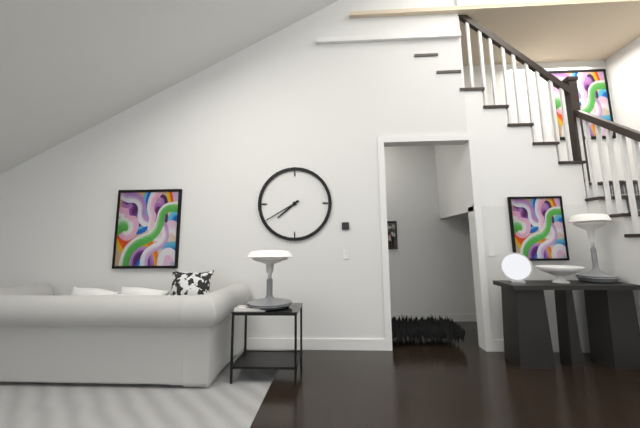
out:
{"hour": 7, "minute": 40}
